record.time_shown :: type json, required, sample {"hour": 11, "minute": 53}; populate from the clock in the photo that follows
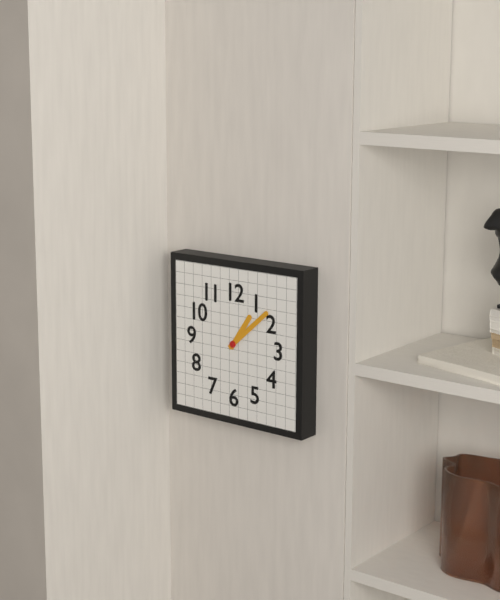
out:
{"hour": 1, "minute": 8}
